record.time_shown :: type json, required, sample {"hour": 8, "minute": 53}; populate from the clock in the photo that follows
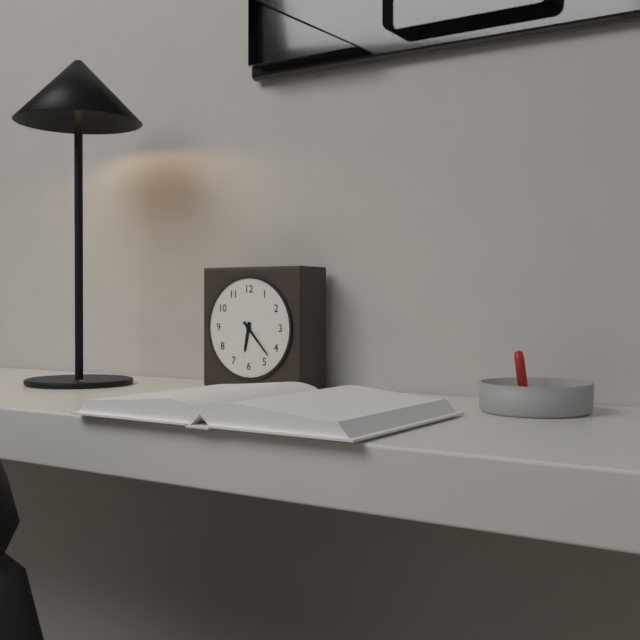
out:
{"hour": 6, "minute": 23}
